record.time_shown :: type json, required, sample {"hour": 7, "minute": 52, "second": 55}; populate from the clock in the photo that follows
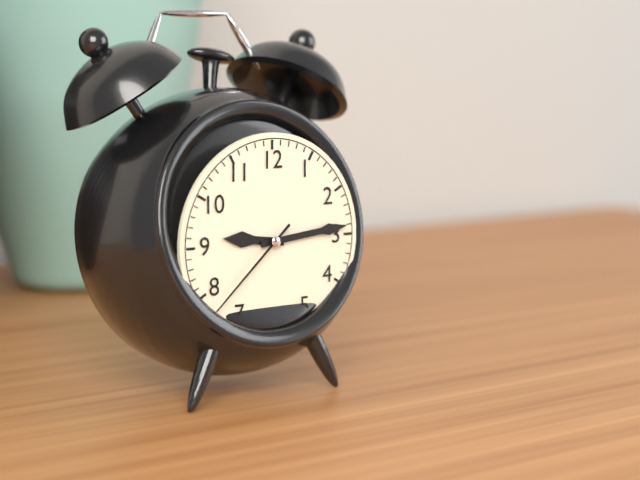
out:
{"hour": 9, "minute": 14, "second": 38}
